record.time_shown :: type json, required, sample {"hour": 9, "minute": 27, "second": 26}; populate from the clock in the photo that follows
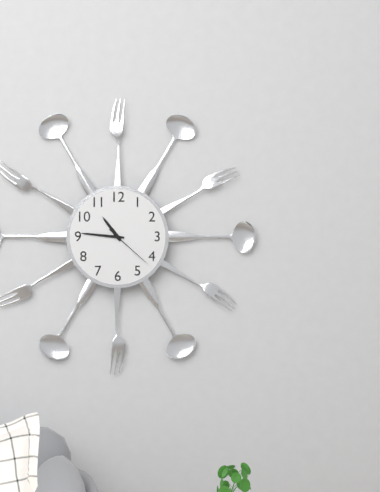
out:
{"hour": 10, "minute": 46, "second": 22}
